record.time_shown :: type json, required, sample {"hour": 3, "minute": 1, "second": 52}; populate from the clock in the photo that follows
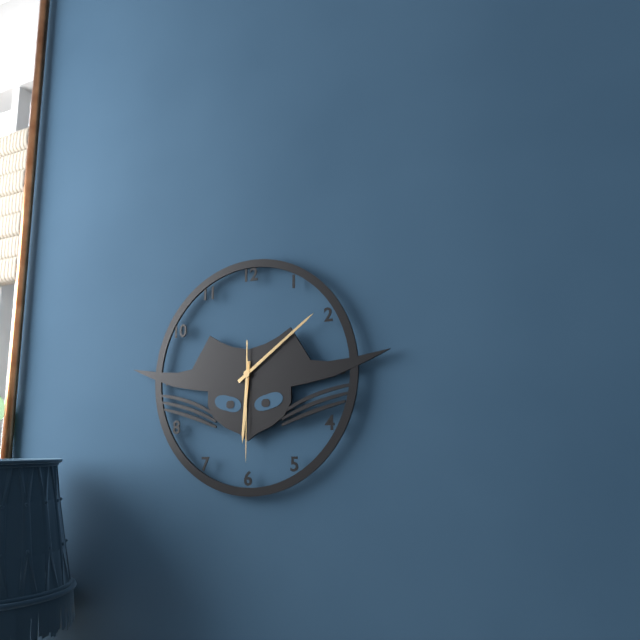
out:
{"hour": 6, "minute": 9, "second": 30}
